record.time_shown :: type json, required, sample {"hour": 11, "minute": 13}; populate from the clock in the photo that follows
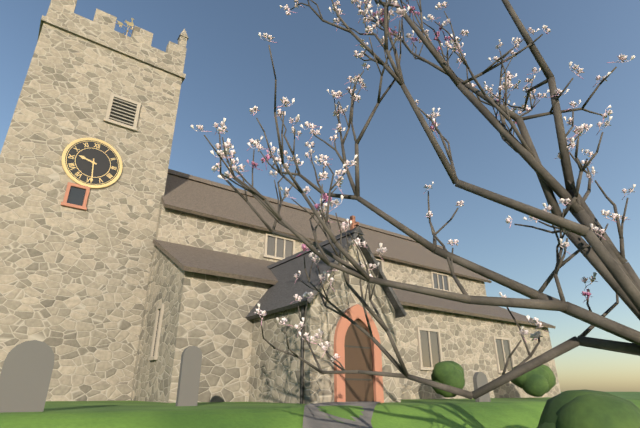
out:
{"hour": 9, "minute": 29}
